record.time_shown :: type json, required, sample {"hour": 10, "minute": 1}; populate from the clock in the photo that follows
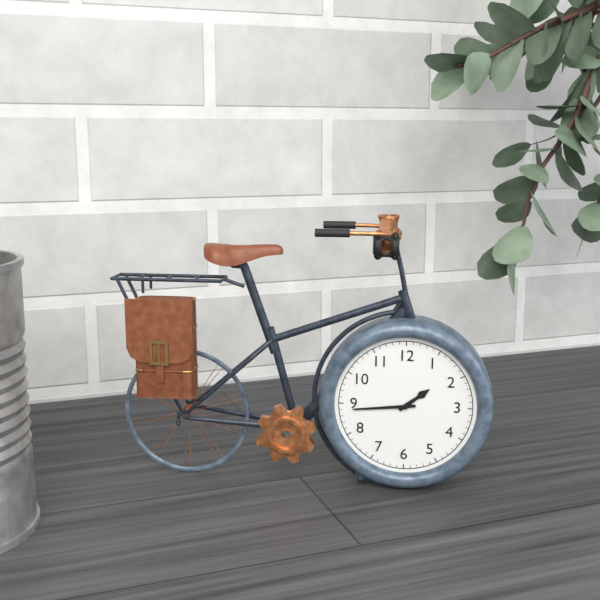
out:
{"hour": 1, "minute": 44}
